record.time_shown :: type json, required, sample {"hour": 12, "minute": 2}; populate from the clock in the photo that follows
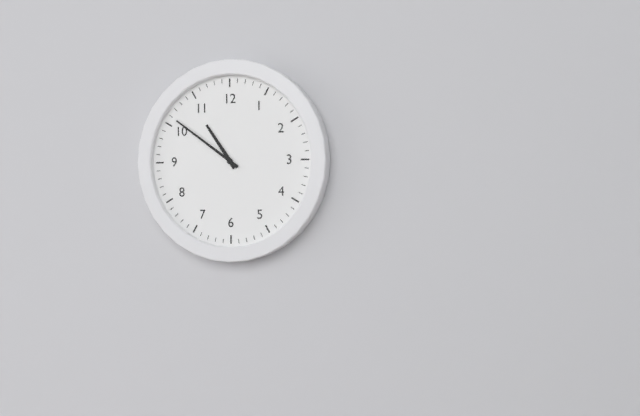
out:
{"hour": 10, "minute": 51}
